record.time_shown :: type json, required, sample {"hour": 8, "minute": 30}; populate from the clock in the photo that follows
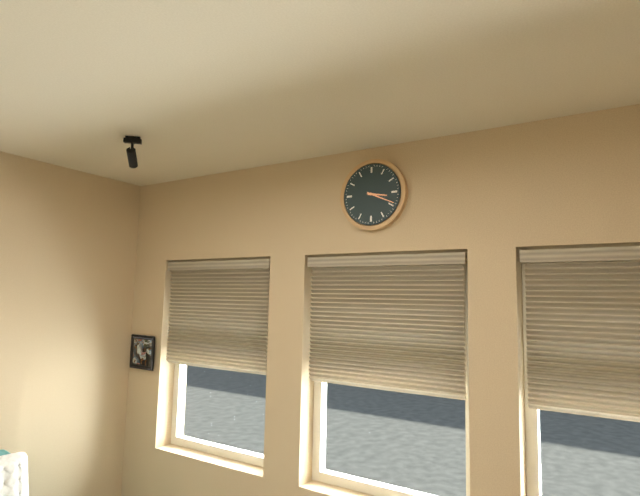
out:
{"hour": 3, "minute": 19}
